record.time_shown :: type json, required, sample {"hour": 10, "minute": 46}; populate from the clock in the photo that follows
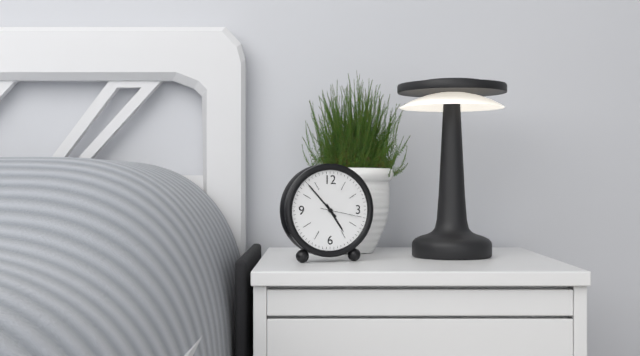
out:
{"hour": 4, "minute": 53}
